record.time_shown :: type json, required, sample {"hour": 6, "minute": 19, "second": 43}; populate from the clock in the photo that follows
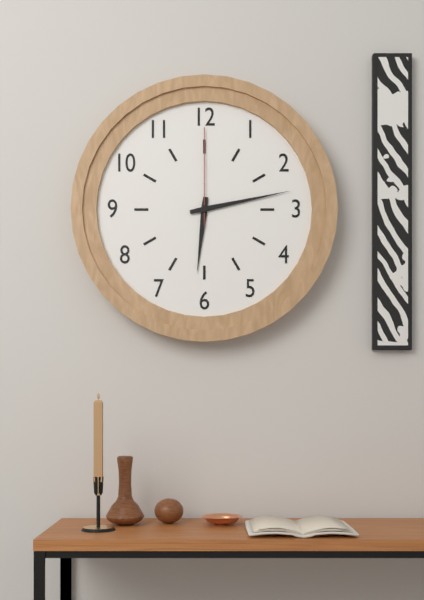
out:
{"hour": 6, "minute": 13, "second": 0}
